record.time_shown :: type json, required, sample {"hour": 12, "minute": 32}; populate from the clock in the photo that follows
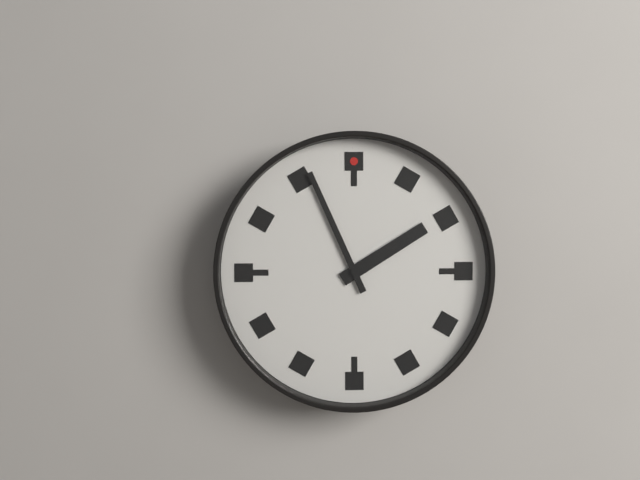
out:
{"hour": 1, "minute": 56}
